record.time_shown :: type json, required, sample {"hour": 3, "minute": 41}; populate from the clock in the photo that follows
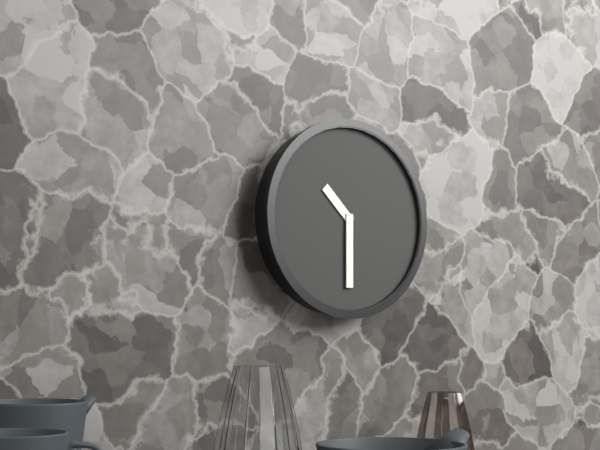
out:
{"hour": 10, "minute": 30}
